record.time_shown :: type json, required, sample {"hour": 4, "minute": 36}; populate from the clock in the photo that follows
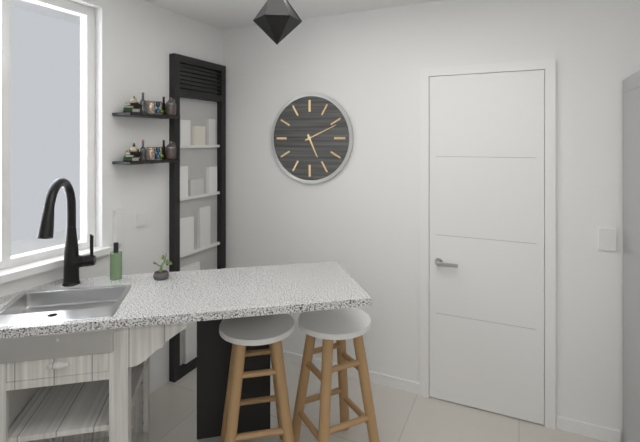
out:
{"hour": 5, "minute": 11}
